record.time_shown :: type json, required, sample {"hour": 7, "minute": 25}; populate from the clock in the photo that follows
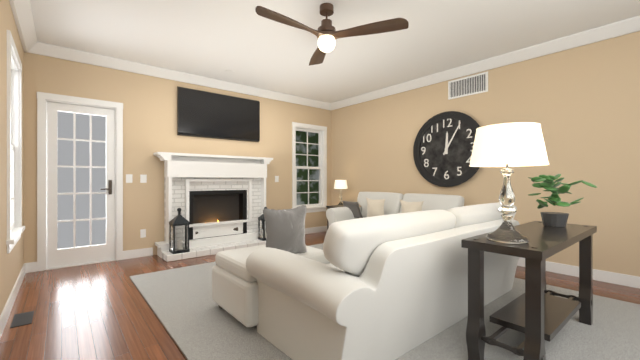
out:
{"hour": 12, "minute": 5}
